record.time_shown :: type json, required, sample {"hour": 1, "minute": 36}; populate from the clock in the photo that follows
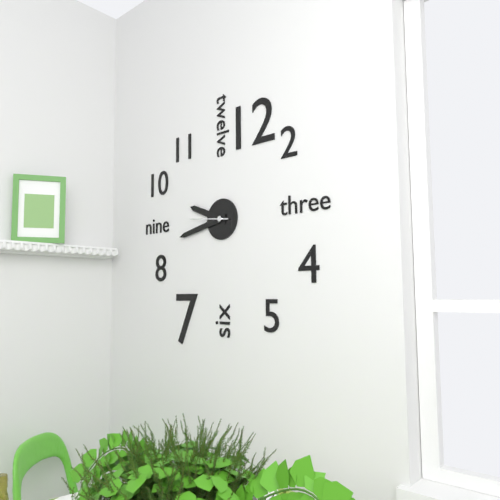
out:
{"hour": 9, "minute": 43}
